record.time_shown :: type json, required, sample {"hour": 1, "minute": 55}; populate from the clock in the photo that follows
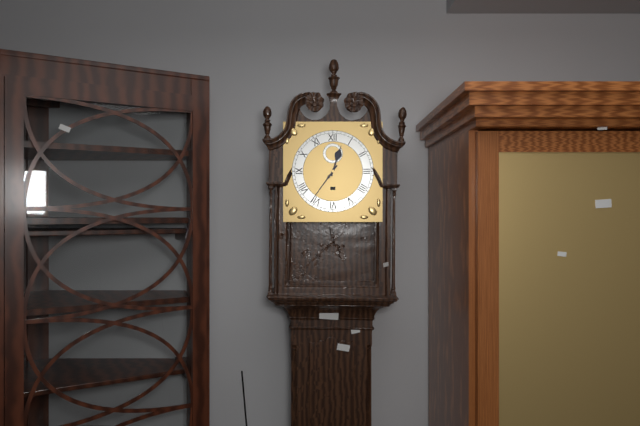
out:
{"hour": 12, "minute": 36}
